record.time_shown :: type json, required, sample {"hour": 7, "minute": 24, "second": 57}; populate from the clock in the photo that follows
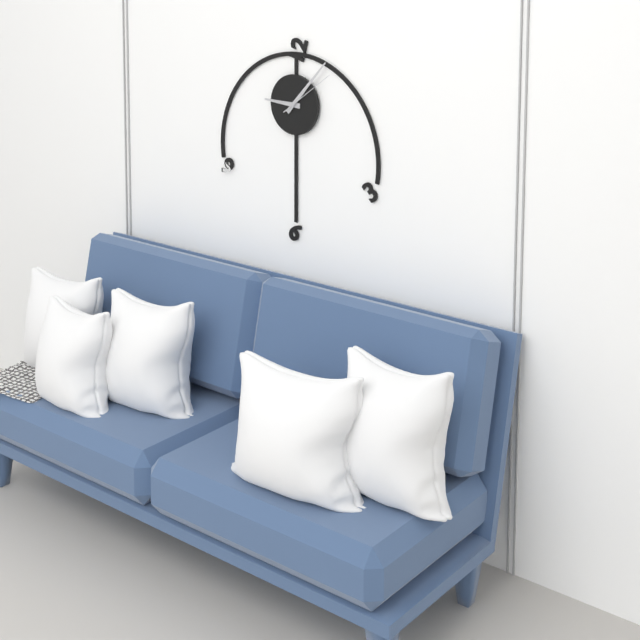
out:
{"hour": 9, "minute": 7, "second": 9}
